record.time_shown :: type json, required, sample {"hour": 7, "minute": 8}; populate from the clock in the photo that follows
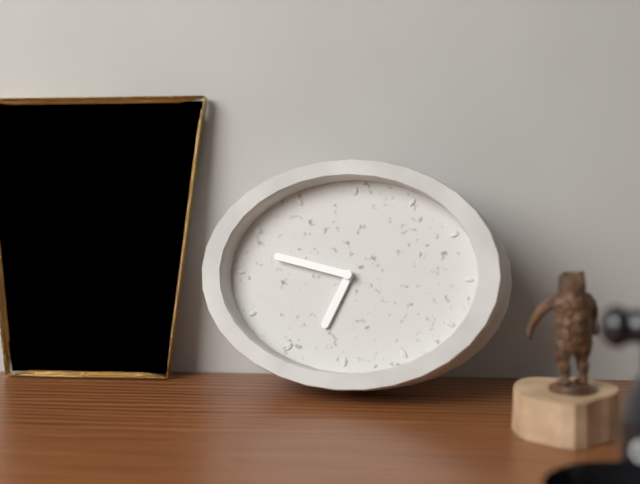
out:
{"hour": 6, "minute": 47}
